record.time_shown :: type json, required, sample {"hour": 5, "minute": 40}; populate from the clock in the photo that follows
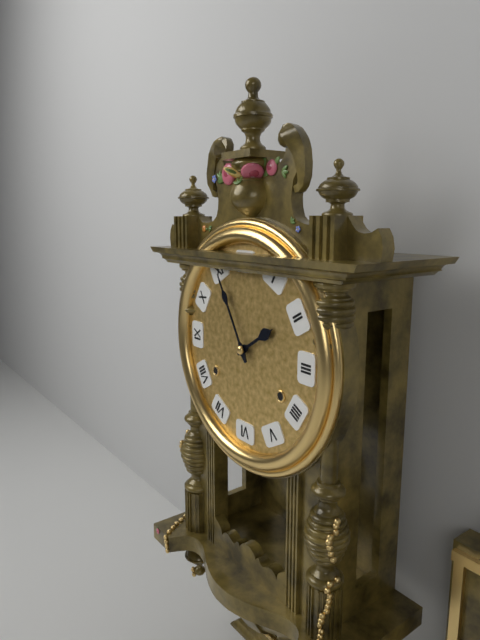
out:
{"hour": 1, "minute": 55}
